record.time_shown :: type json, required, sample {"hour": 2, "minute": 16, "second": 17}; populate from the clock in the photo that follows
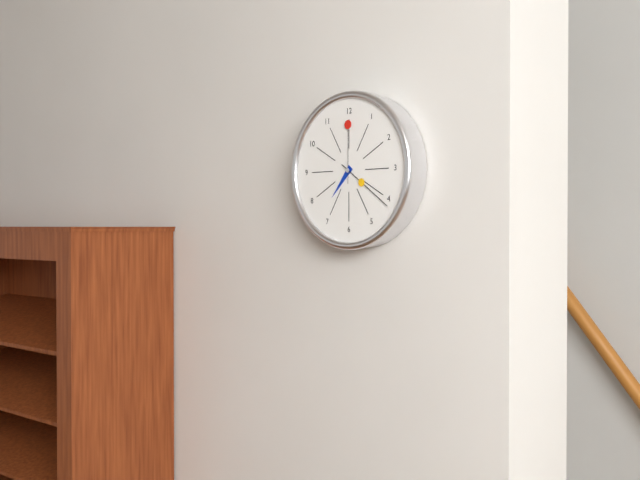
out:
{"hour": 7, "minute": 21, "second": 0}
